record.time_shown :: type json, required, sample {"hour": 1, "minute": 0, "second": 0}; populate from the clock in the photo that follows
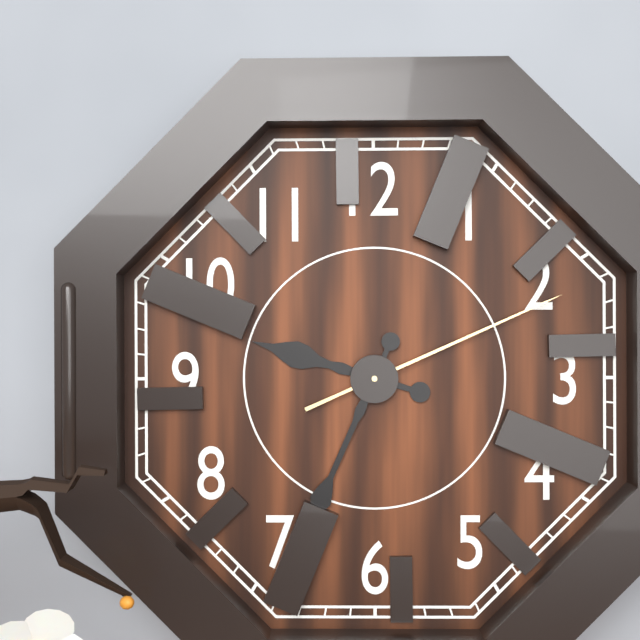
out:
{"hour": 9, "minute": 34, "second": 11}
